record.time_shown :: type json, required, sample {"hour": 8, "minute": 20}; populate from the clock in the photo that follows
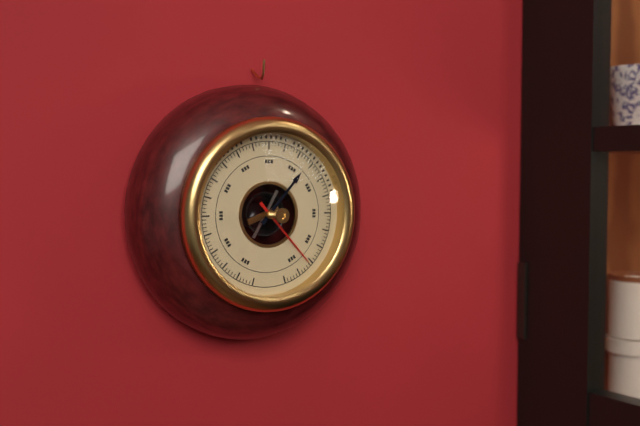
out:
{"hour": 1, "minute": 23}
